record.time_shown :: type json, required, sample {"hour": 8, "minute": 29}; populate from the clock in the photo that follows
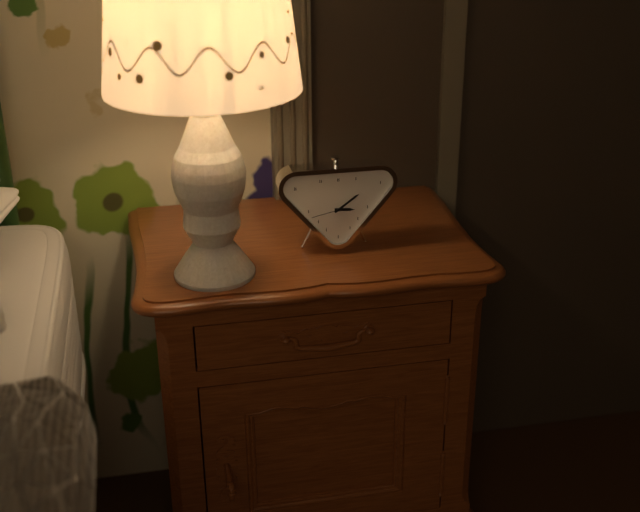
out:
{"hour": 3, "minute": 9}
